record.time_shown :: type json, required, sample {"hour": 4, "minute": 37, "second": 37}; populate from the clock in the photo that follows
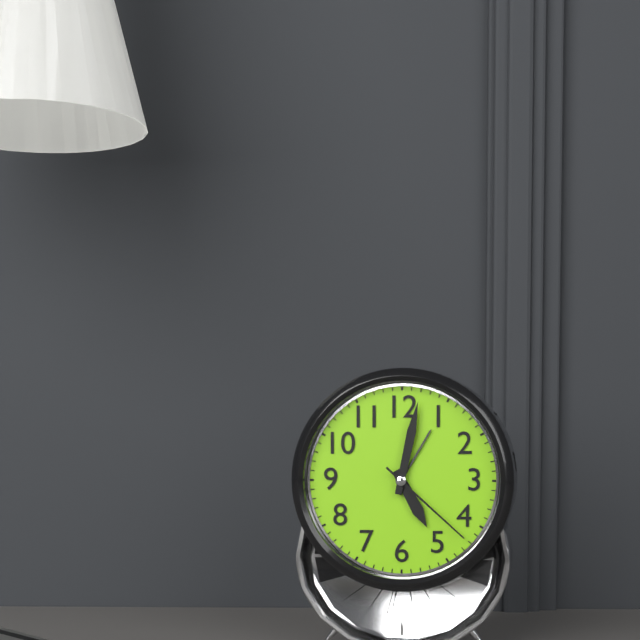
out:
{"hour": 5, "minute": 2, "second": 22}
